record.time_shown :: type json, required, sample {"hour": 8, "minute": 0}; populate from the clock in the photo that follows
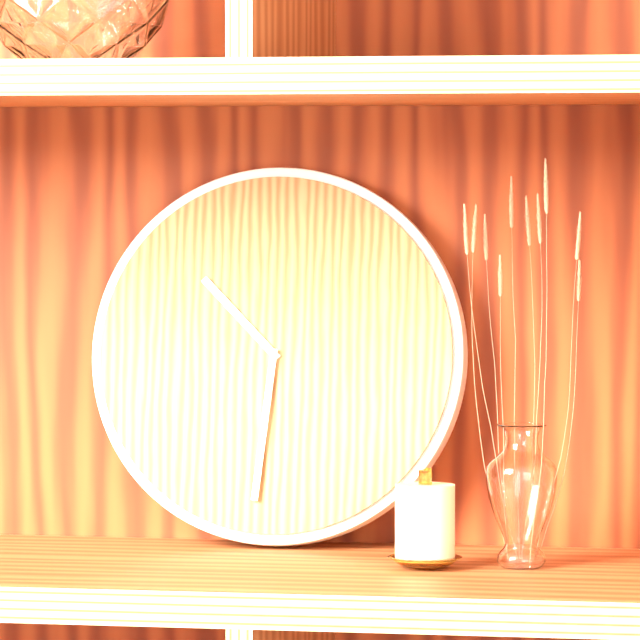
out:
{"hour": 10, "minute": 31}
